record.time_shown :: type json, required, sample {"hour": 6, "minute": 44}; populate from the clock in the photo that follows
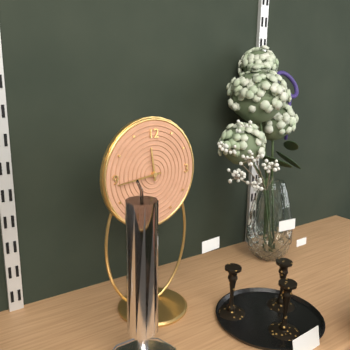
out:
{"hour": 11, "minute": 44}
